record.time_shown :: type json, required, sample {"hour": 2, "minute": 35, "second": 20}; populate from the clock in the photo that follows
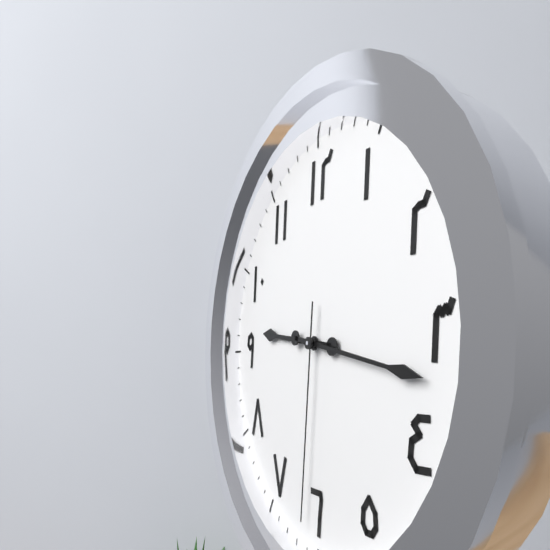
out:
{"hour": 9, "minute": 17, "second": 31}
